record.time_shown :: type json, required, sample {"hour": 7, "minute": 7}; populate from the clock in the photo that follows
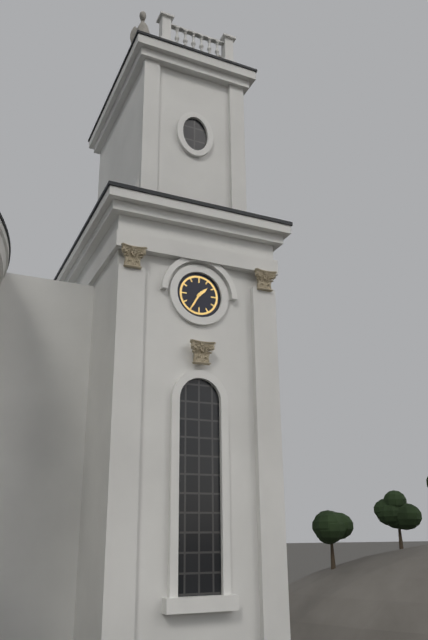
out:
{"hour": 1, "minute": 35}
